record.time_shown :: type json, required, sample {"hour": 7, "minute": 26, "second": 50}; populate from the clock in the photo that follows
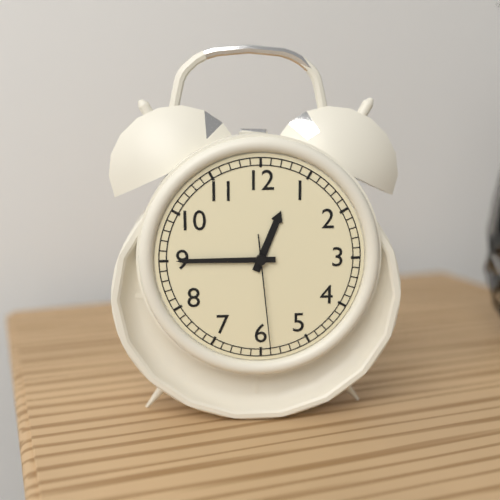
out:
{"hour": 12, "minute": 45, "second": 29}
